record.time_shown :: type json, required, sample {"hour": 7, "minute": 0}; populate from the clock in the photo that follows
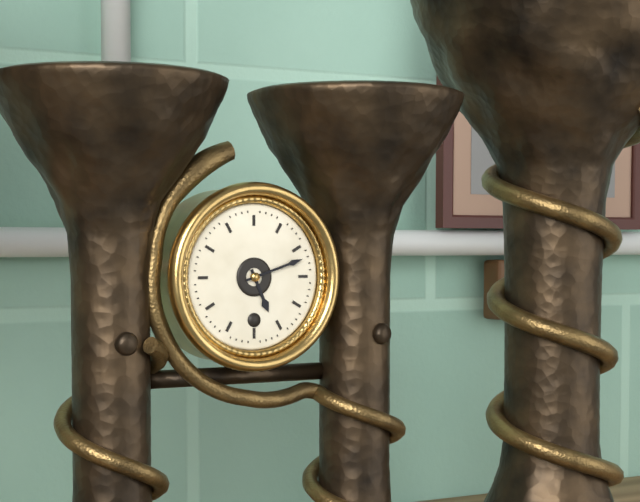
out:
{"hour": 5, "minute": 12}
